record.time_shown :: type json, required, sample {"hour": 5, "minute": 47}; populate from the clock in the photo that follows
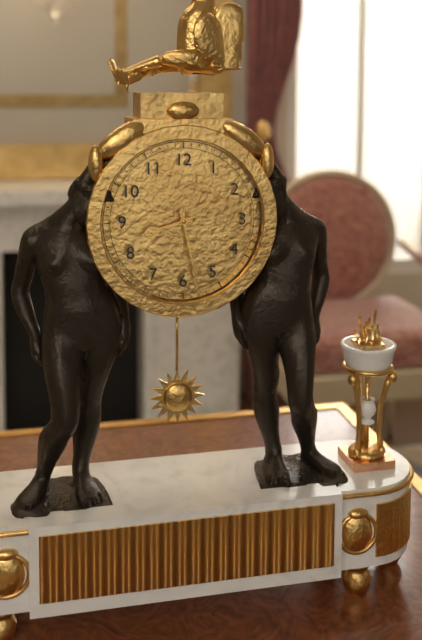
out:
{"hour": 8, "minute": 28}
